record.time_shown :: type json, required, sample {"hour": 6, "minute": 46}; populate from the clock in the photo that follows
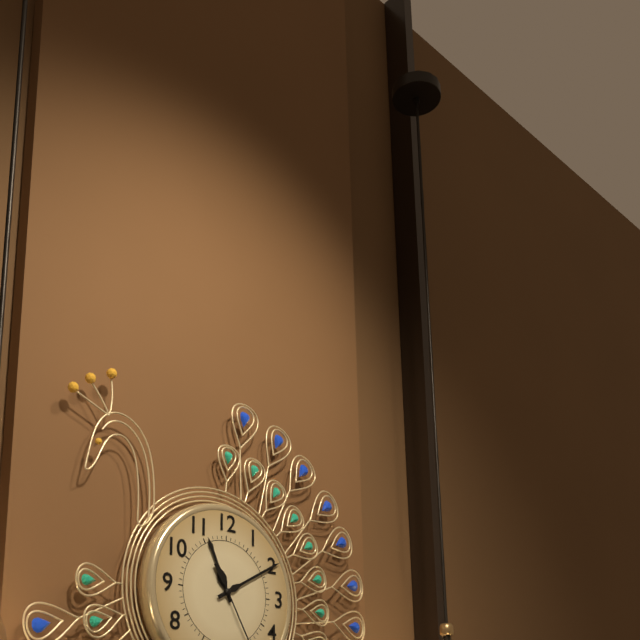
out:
{"hour": 11, "minute": 10}
